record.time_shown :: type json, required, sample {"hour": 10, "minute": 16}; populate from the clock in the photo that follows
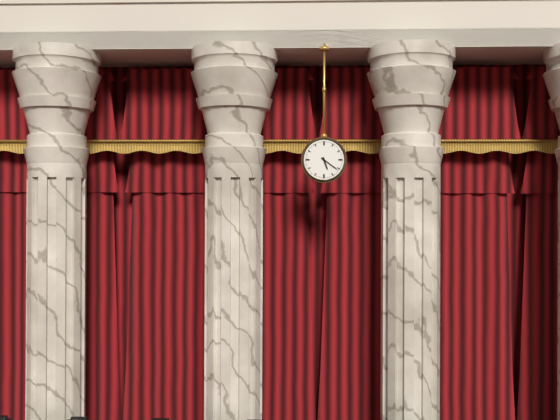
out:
{"hour": 5, "minute": 21}
